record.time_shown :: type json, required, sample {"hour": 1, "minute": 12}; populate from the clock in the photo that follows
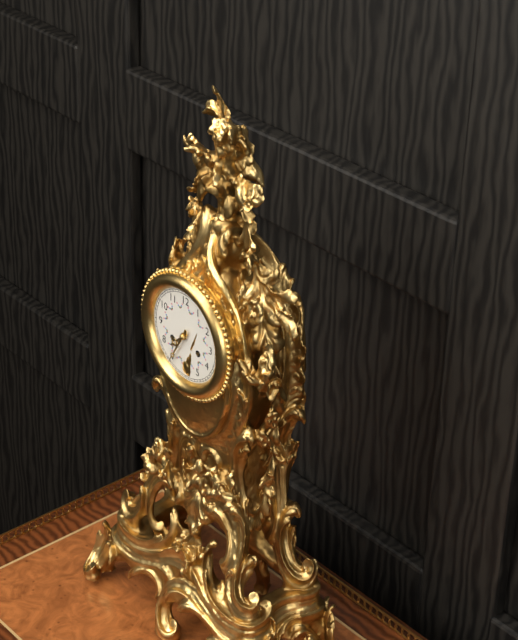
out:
{"hour": 7, "minute": 35}
